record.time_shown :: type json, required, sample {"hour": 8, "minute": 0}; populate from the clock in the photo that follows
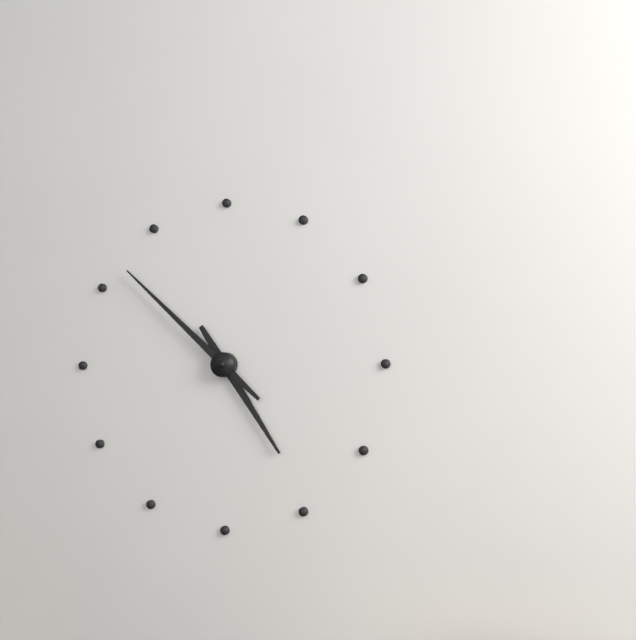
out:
{"hour": 4, "minute": 52}
